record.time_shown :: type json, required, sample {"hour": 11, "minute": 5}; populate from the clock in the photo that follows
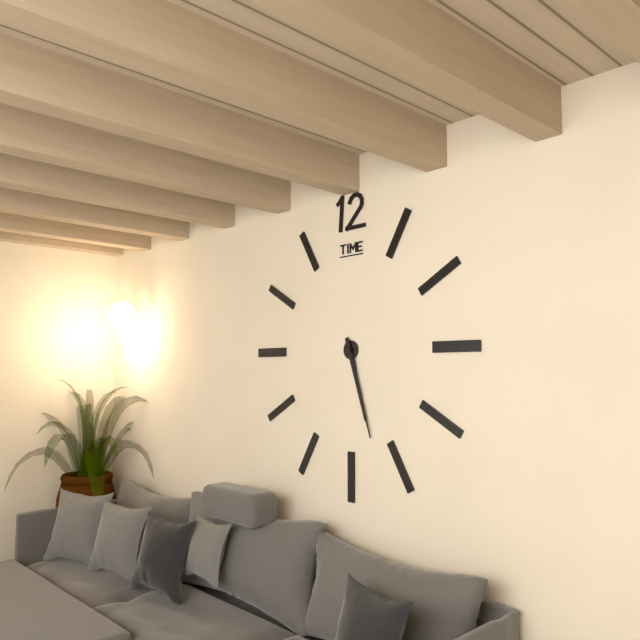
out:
{"hour": 5, "minute": 27}
